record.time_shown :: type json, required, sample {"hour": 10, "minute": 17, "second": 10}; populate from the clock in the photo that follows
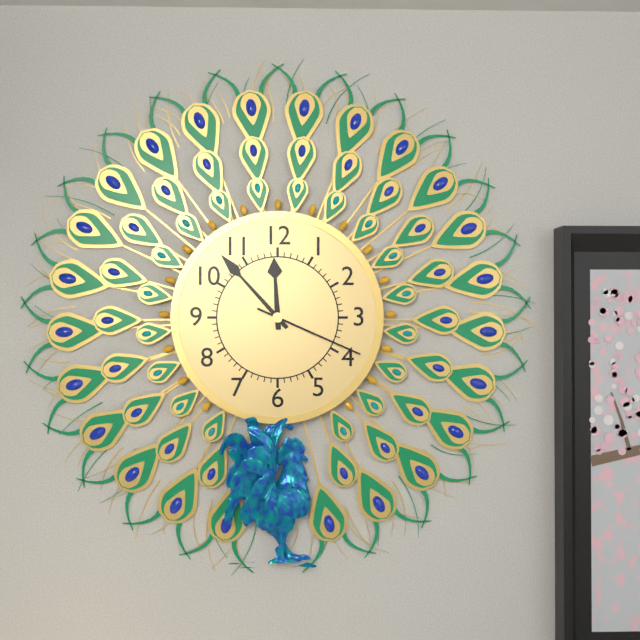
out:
{"hour": 11, "minute": 53, "second": 19}
